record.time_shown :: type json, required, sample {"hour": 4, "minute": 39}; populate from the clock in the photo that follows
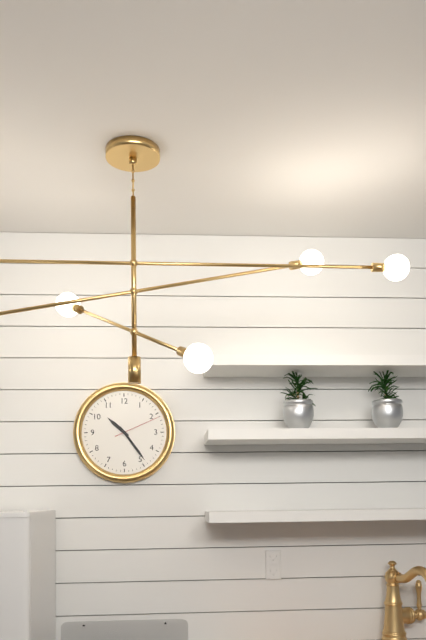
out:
{"hour": 10, "minute": 24}
